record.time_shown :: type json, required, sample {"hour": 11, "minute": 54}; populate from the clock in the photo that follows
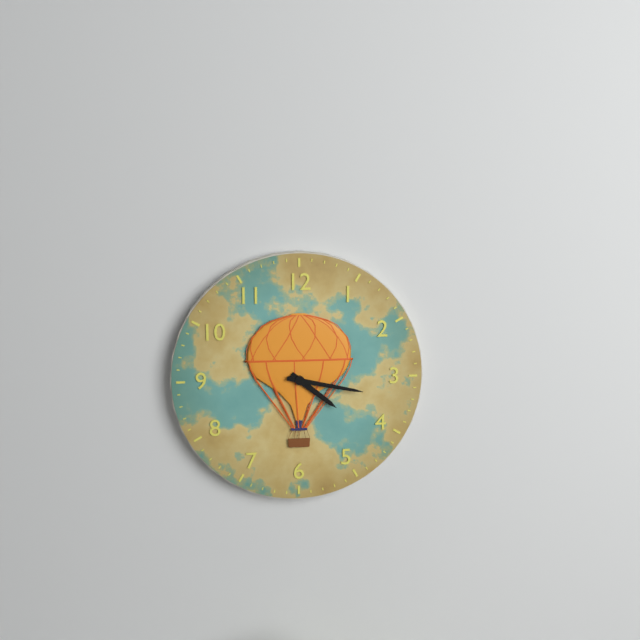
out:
{"hour": 4, "minute": 17}
